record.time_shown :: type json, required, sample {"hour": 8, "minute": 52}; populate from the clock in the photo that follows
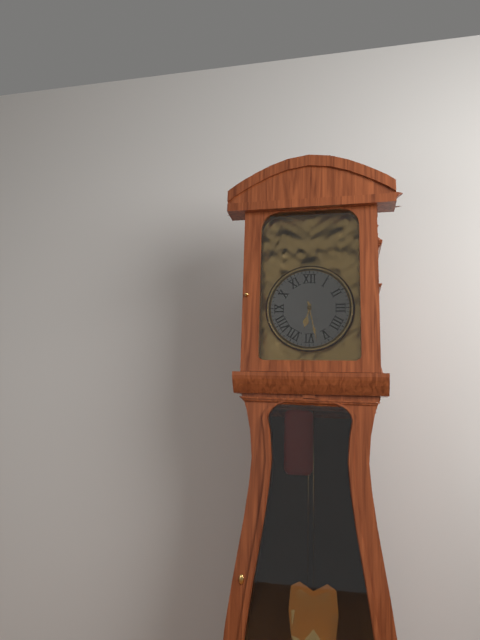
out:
{"hour": 6, "minute": 28}
